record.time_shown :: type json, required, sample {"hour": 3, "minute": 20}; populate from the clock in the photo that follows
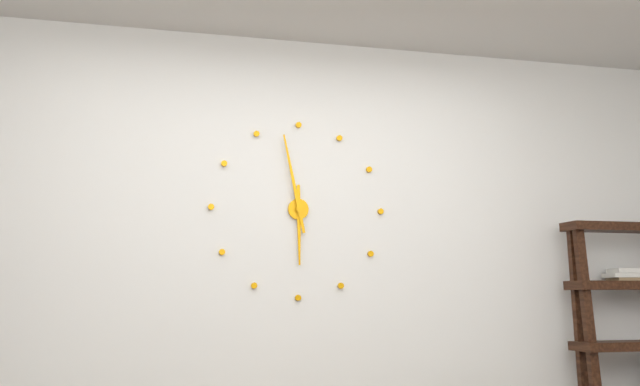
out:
{"hour": 5, "minute": 58}
